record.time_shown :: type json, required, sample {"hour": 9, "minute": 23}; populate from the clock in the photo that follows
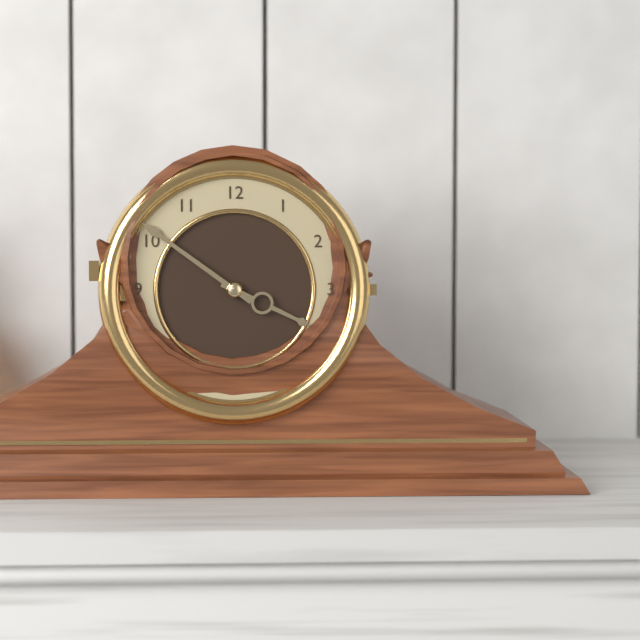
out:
{"hour": 3, "minute": 51}
